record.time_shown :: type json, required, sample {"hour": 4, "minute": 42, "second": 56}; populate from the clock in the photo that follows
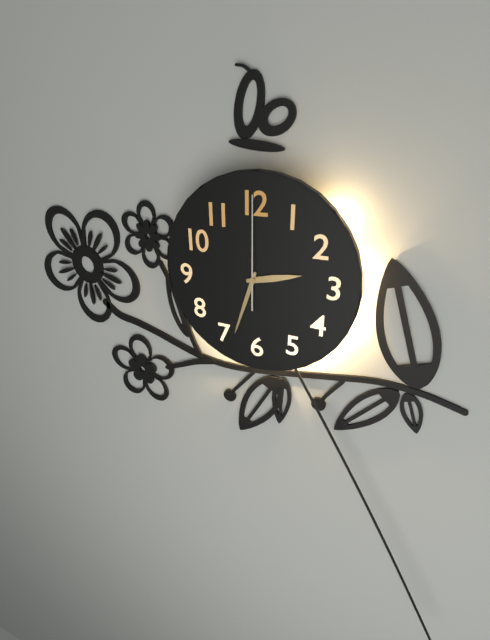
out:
{"hour": 2, "minute": 33, "second": 0}
